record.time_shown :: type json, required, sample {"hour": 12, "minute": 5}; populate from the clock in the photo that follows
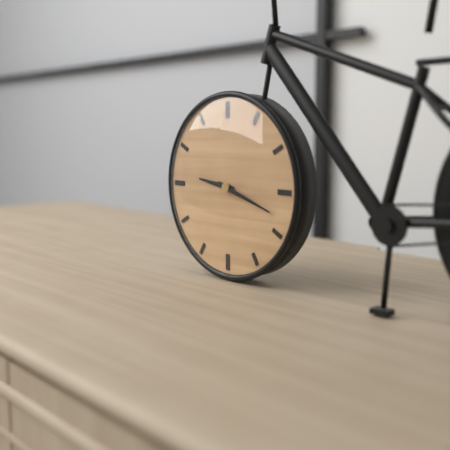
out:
{"hour": 9, "minute": 18}
